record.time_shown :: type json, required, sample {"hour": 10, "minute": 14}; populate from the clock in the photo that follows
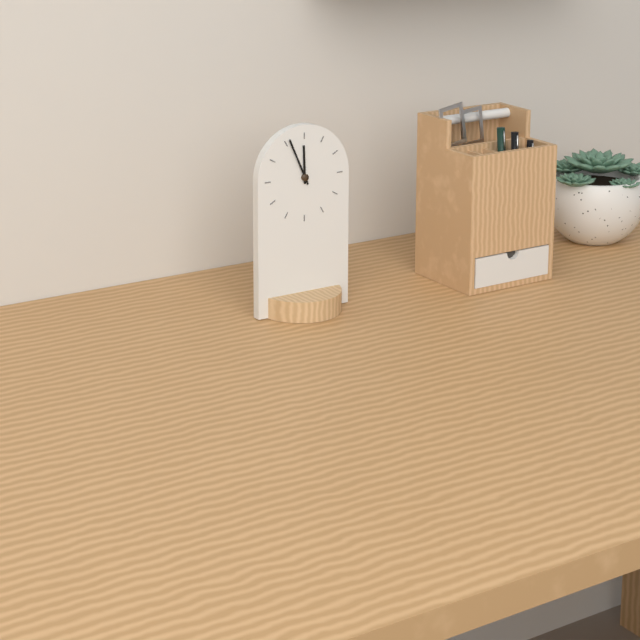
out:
{"hour": 11, "minute": 56}
